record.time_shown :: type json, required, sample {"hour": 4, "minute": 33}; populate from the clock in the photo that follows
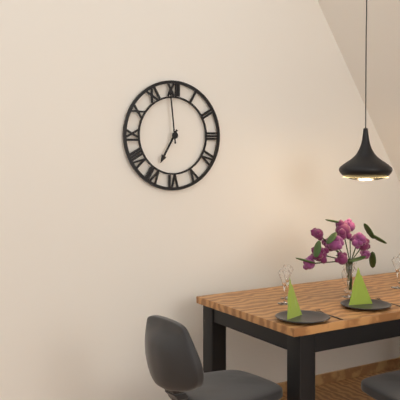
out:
{"hour": 6, "minute": 59}
